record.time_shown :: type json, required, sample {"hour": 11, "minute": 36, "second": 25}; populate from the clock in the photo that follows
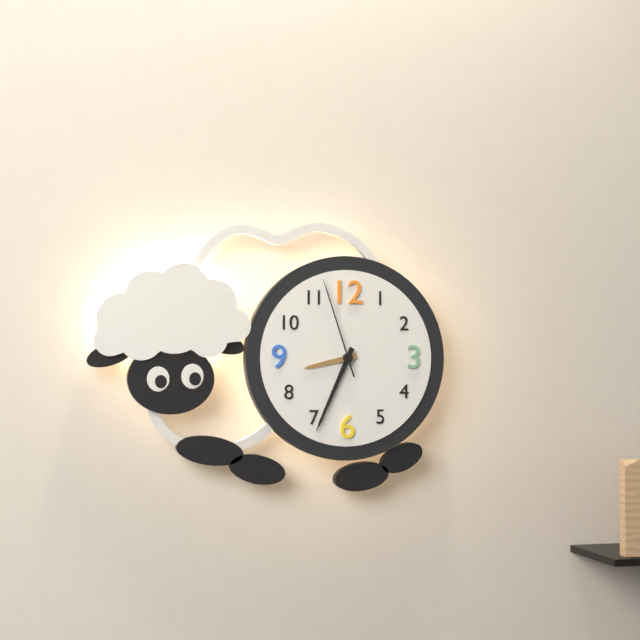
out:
{"hour": 8, "minute": 34, "second": 57}
